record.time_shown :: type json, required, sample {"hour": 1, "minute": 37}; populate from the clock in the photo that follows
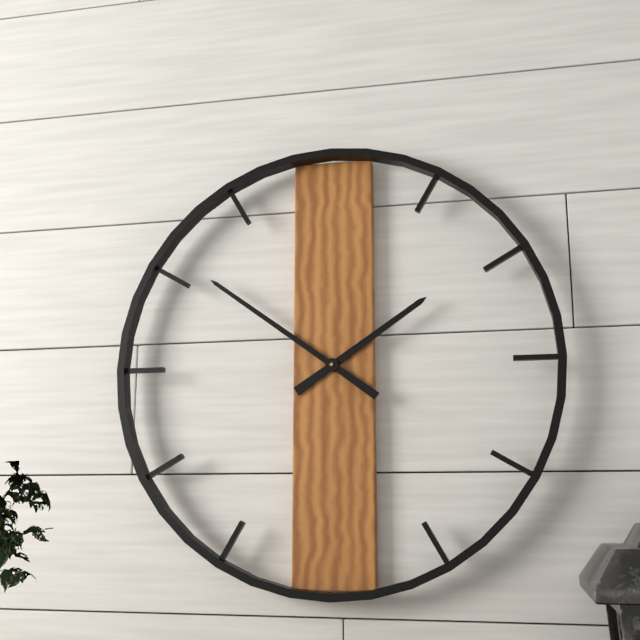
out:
{"hour": 1, "minute": 51}
